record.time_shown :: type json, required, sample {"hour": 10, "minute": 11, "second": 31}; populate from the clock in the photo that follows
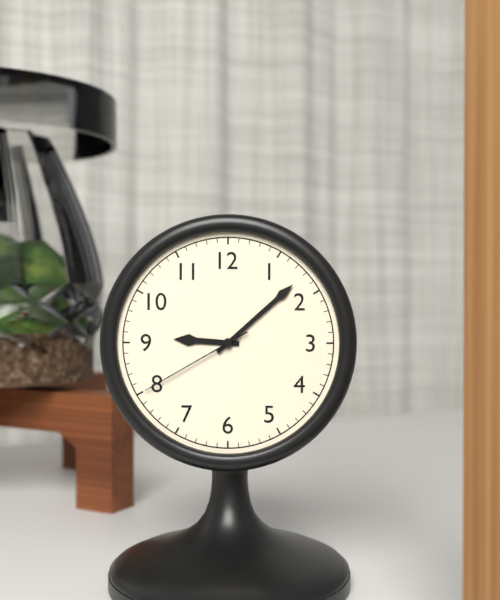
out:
{"hour": 9, "minute": 8, "second": 40}
